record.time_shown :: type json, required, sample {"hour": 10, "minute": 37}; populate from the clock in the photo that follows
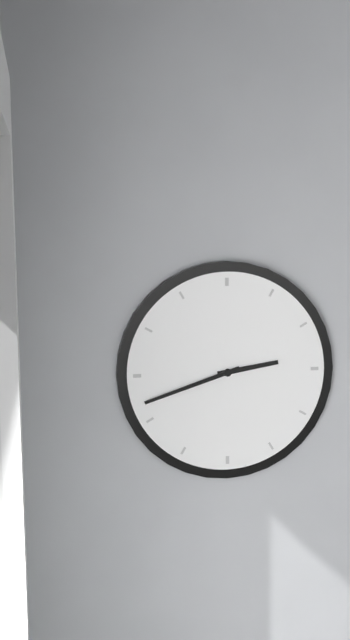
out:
{"hour": 2, "minute": 42}
